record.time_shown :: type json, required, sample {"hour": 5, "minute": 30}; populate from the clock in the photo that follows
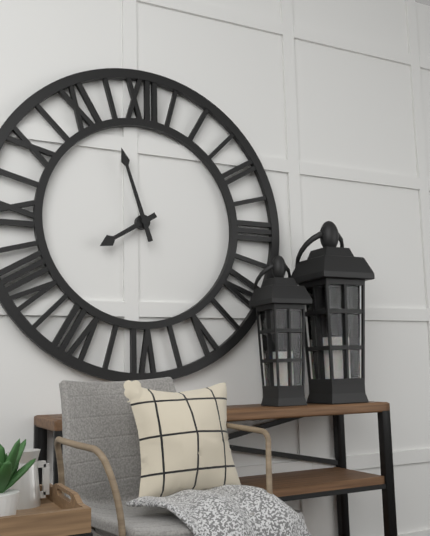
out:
{"hour": 7, "minute": 57}
